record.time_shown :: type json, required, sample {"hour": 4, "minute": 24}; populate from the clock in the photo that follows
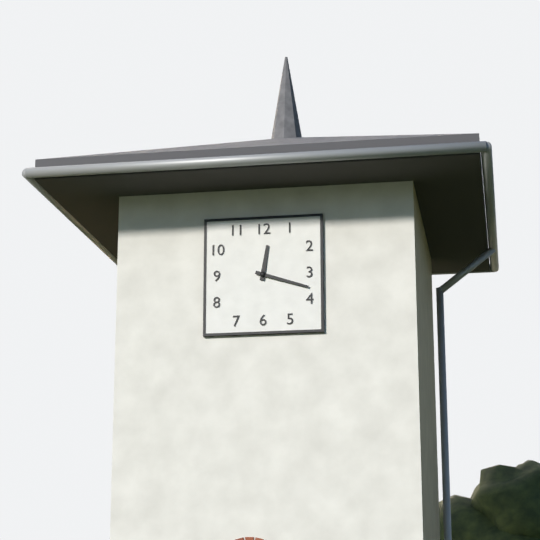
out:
{"hour": 12, "minute": 18}
